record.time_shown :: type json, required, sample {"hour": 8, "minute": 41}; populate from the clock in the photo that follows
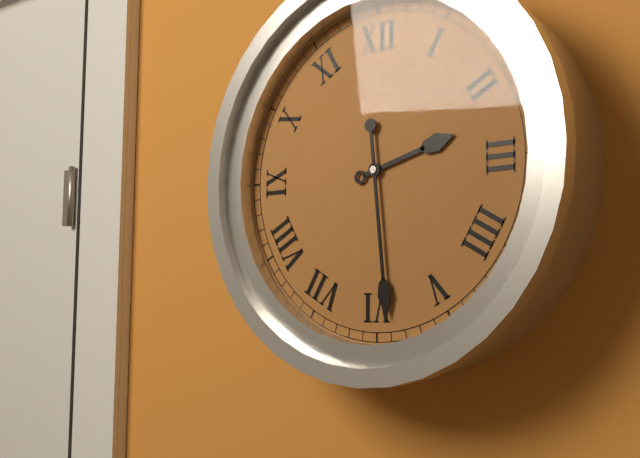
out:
{"hour": 2, "minute": 29}
